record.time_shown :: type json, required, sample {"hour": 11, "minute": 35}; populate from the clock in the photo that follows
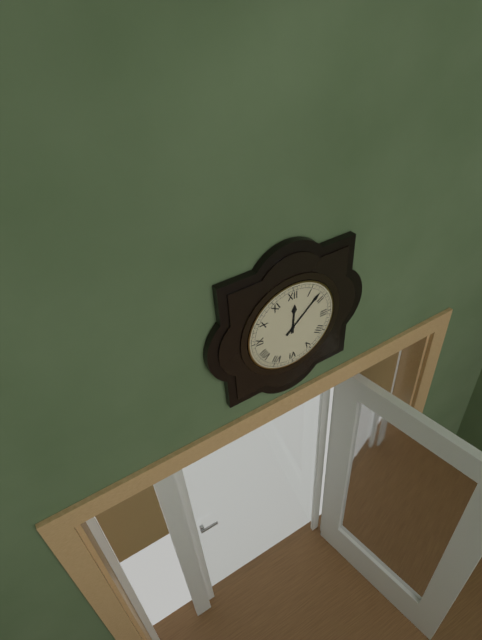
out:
{"hour": 12, "minute": 8}
